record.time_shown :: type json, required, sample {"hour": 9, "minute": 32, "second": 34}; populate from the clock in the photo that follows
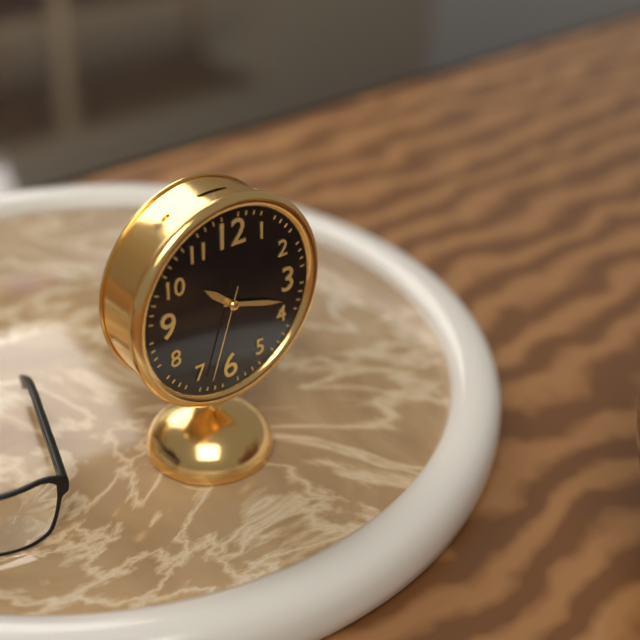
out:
{"hour": 10, "minute": 18, "second": 33}
